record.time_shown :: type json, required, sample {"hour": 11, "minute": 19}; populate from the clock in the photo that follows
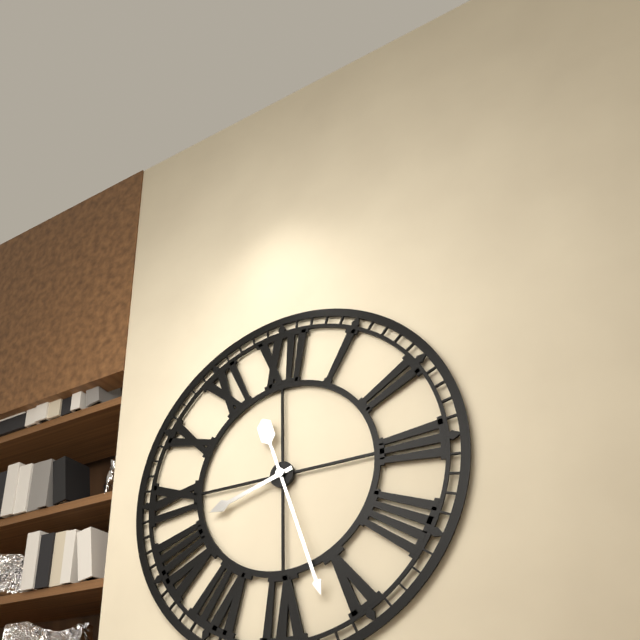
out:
{"hour": 8, "minute": 27}
